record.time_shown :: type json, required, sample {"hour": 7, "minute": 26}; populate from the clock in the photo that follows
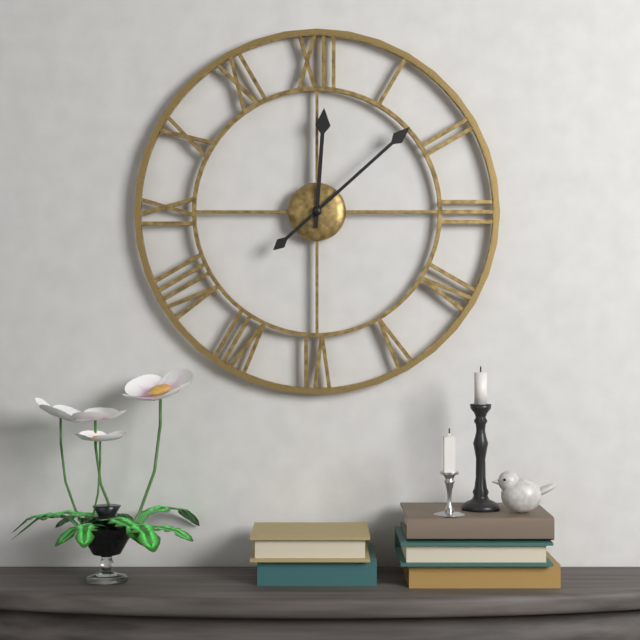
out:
{"hour": 12, "minute": 8}
